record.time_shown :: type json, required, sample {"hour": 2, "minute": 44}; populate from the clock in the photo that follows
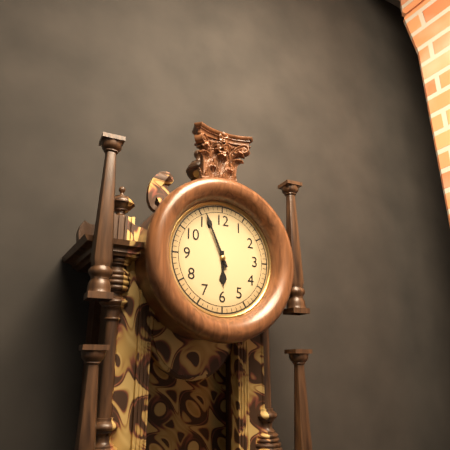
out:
{"hour": 5, "minute": 56}
